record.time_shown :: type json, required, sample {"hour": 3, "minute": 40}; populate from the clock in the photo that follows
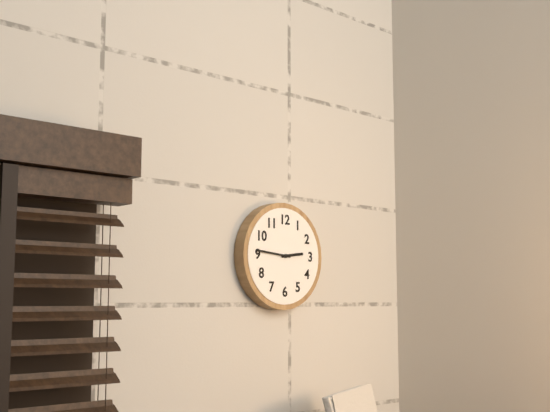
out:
{"hour": 2, "minute": 46}
